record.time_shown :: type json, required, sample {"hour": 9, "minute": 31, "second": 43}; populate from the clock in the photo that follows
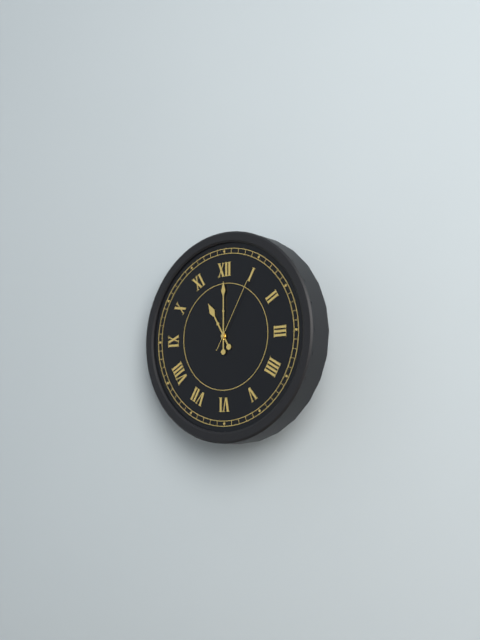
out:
{"hour": 11, "minute": 0, "second": 5}
